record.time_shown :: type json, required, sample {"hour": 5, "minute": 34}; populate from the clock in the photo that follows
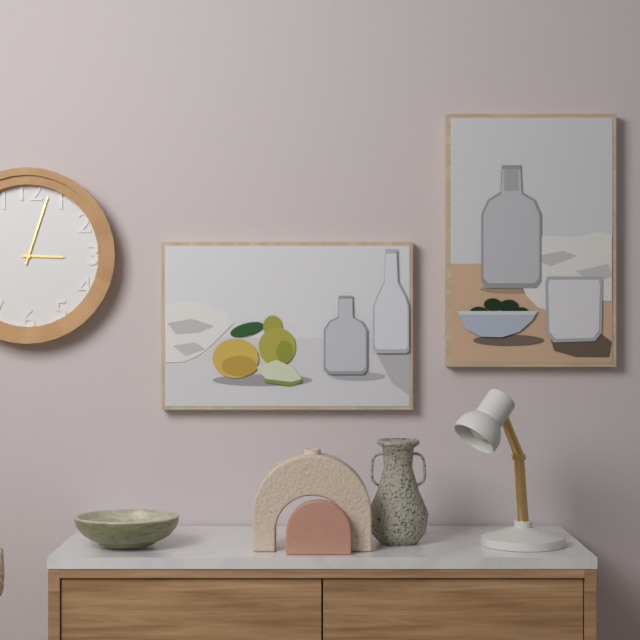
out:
{"hour": 3, "minute": 3}
